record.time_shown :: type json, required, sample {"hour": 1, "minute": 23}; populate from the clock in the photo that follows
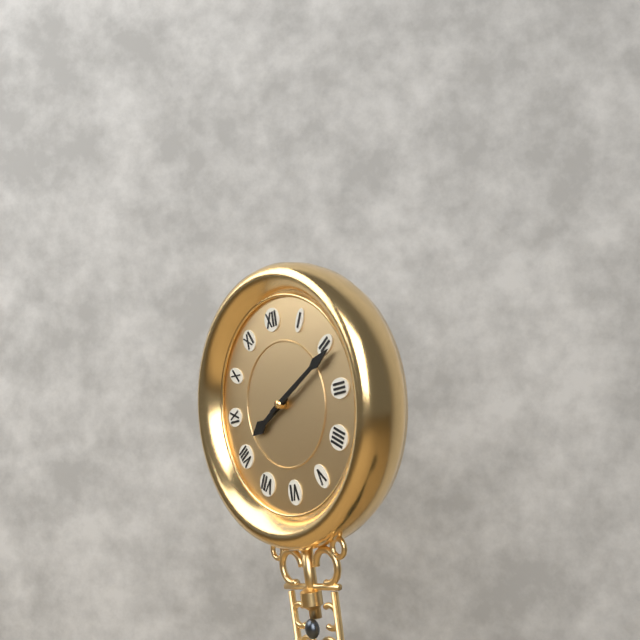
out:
{"hour": 8, "minute": 11}
